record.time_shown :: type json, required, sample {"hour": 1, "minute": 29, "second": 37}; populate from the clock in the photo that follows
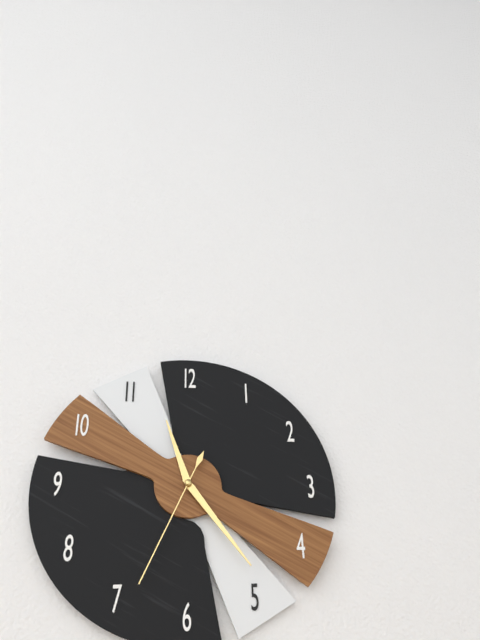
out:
{"hour": 11, "minute": 24, "second": 34}
